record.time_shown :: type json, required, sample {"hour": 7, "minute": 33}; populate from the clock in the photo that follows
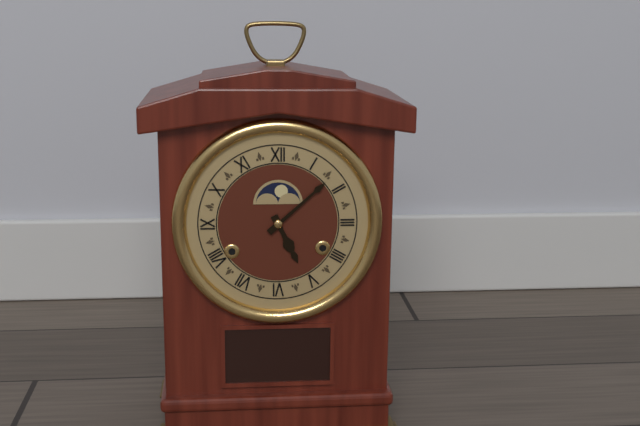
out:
{"hour": 5, "minute": 8}
